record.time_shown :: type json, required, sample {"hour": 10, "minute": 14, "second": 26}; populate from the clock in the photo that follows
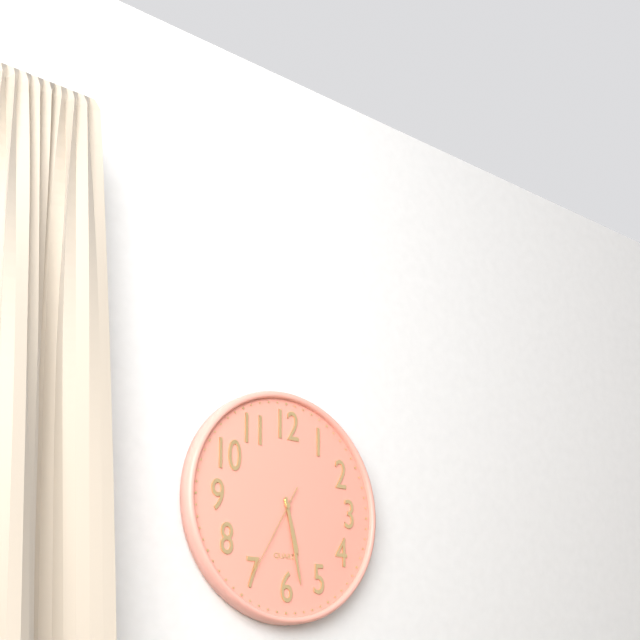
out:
{"hour": 5, "minute": 28, "second": 35}
